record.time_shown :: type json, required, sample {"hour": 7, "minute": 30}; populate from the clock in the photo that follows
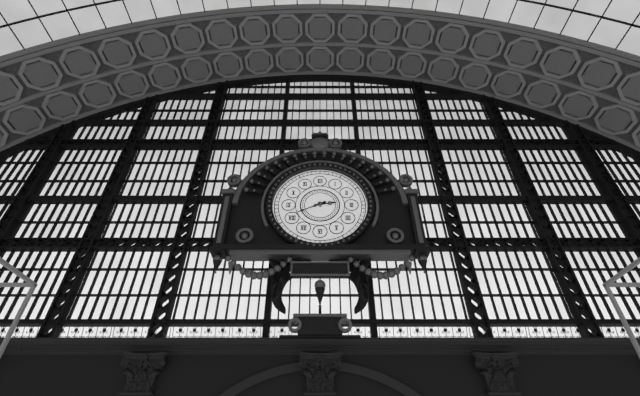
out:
{"hour": 2, "minute": 41}
